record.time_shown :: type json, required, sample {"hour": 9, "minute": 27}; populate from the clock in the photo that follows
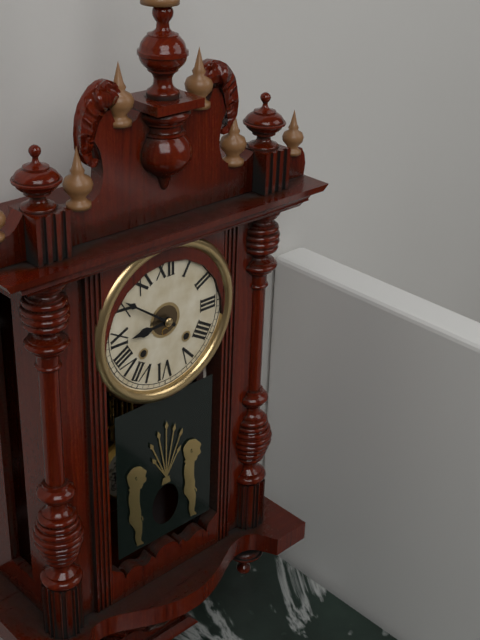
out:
{"hour": 8, "minute": 51}
